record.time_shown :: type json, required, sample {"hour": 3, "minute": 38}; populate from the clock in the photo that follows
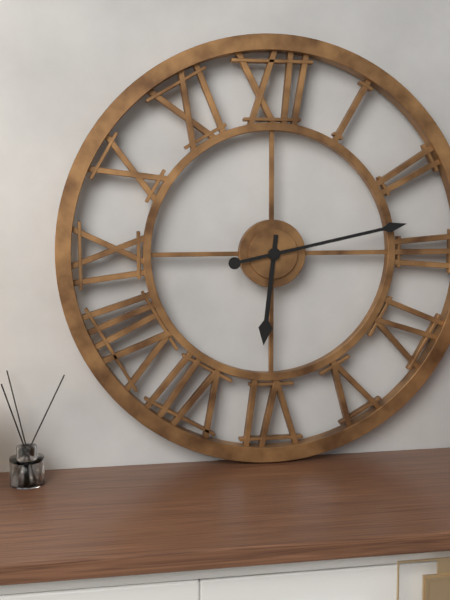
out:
{"hour": 6, "minute": 13}
